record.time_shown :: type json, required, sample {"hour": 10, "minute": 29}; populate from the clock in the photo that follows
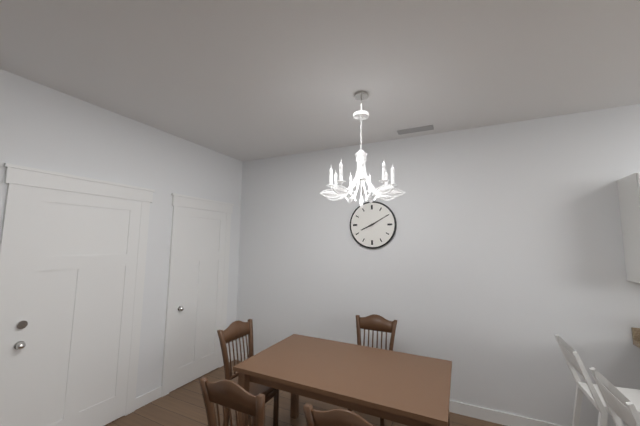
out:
{"hour": 8, "minute": 10}
